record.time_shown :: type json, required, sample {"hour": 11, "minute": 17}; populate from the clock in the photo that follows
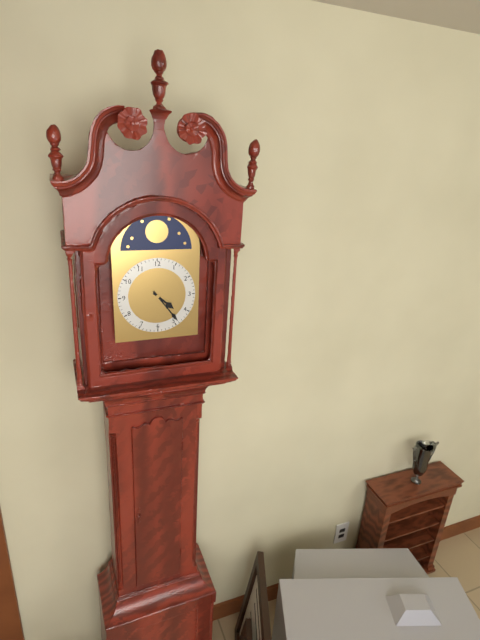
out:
{"hour": 4, "minute": 24}
